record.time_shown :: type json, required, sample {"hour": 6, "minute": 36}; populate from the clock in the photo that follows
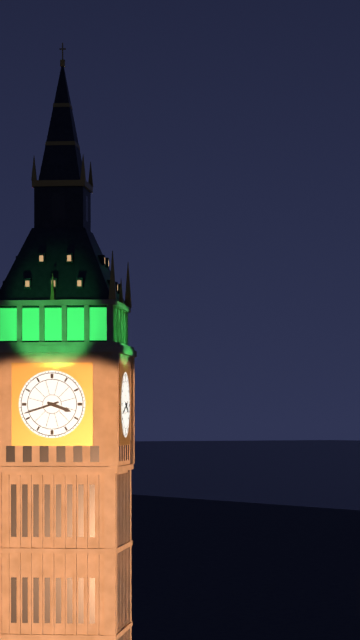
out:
{"hour": 3, "minute": 42}
